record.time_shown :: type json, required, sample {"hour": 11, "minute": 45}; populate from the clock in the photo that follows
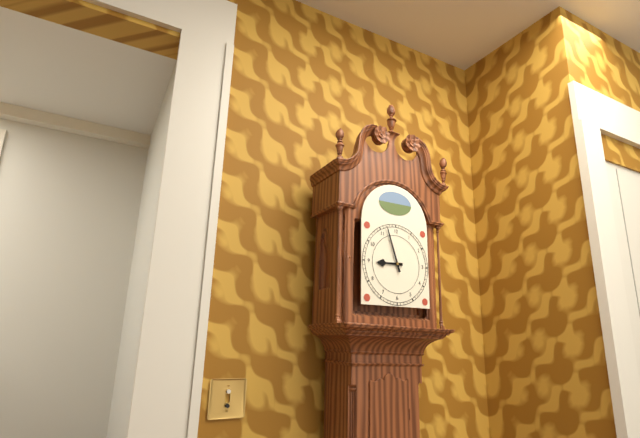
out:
{"hour": 8, "minute": 57}
